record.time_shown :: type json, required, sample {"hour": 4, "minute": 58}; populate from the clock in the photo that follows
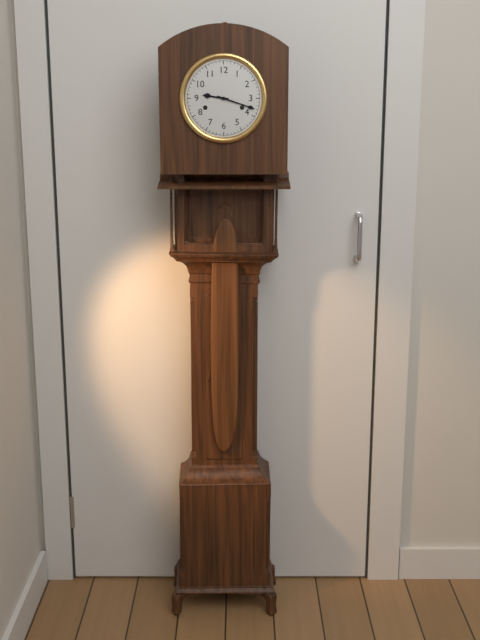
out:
{"hour": 9, "minute": 18}
